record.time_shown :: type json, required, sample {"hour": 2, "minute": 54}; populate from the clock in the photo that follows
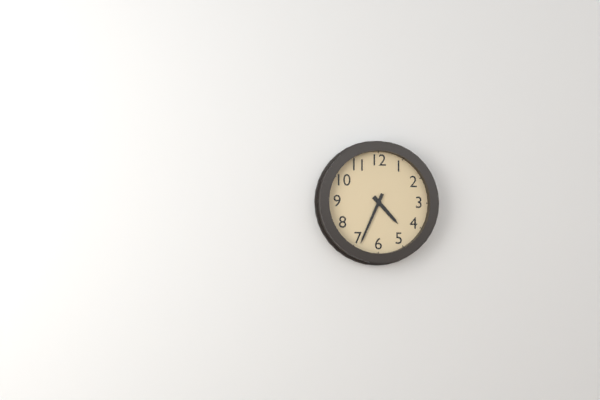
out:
{"hour": 4, "minute": 34}
